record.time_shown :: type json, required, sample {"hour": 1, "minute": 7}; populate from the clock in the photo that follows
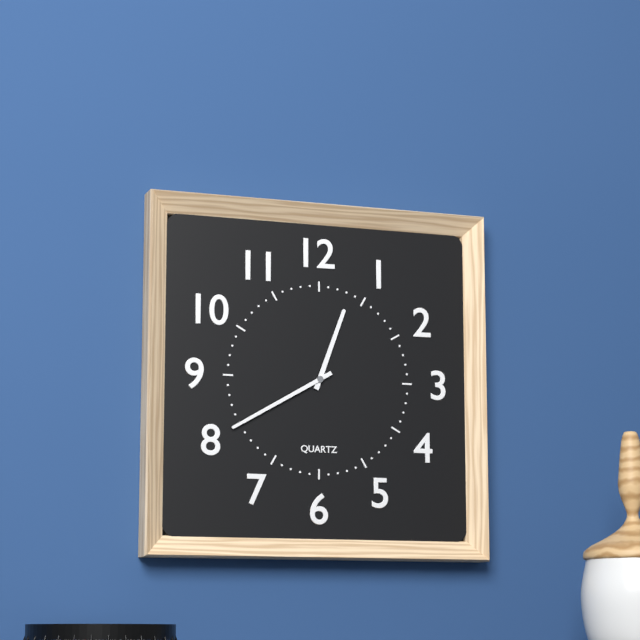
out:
{"hour": 12, "minute": 40}
